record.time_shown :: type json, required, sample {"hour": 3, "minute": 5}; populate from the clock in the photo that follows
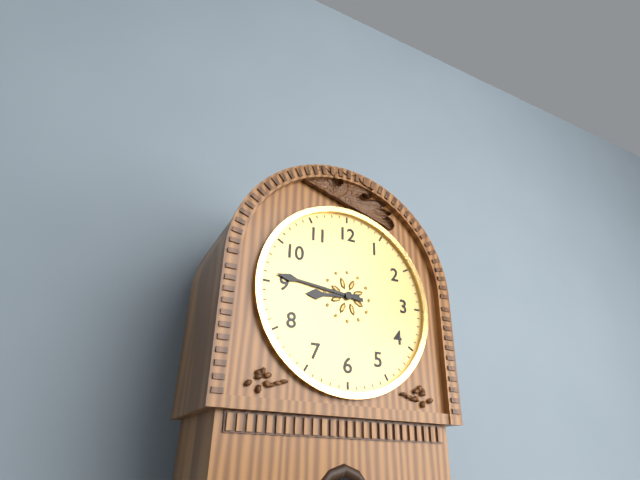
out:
{"hour": 8, "minute": 46}
